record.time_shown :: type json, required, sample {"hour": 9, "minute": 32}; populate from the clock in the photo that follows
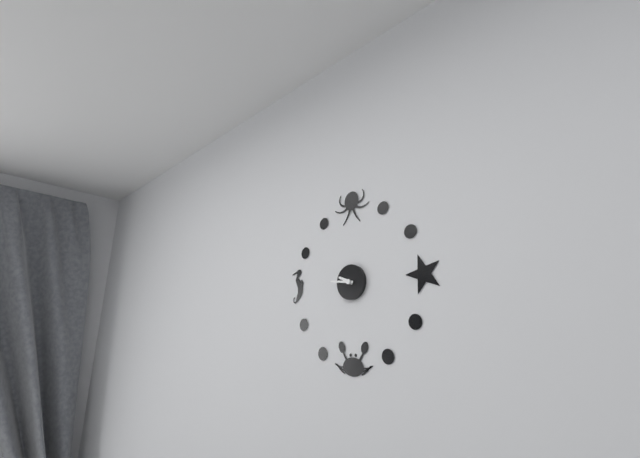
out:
{"hour": 9, "minute": 46}
